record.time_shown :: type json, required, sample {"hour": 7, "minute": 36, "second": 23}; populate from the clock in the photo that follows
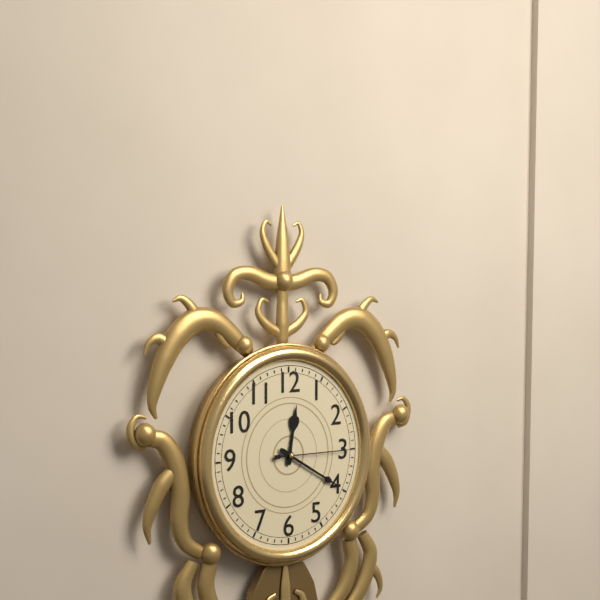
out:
{"hour": 12, "minute": 20, "second": 15}
